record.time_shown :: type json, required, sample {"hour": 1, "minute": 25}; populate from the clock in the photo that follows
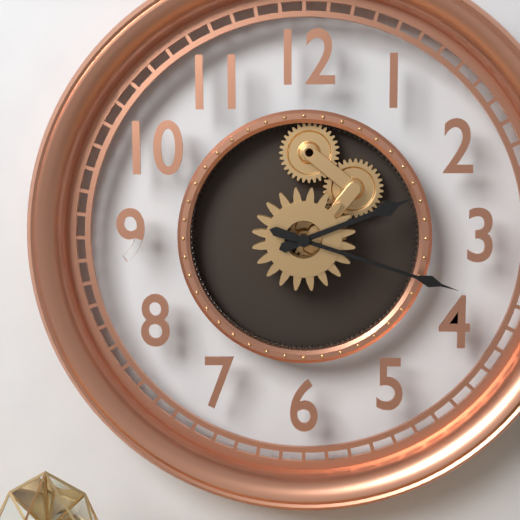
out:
{"hour": 2, "minute": 18}
